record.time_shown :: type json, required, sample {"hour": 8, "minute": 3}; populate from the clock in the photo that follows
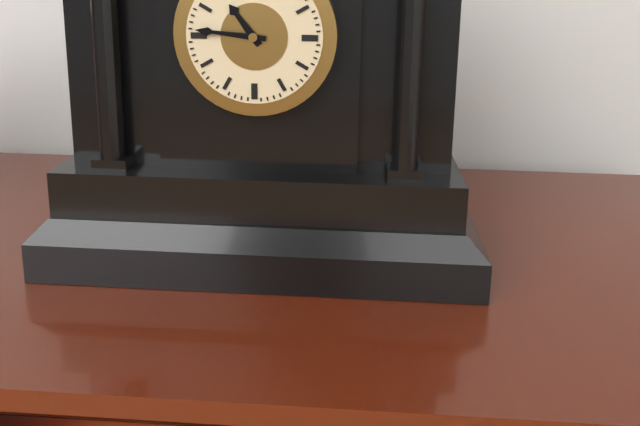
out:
{"hour": 10, "minute": 46}
